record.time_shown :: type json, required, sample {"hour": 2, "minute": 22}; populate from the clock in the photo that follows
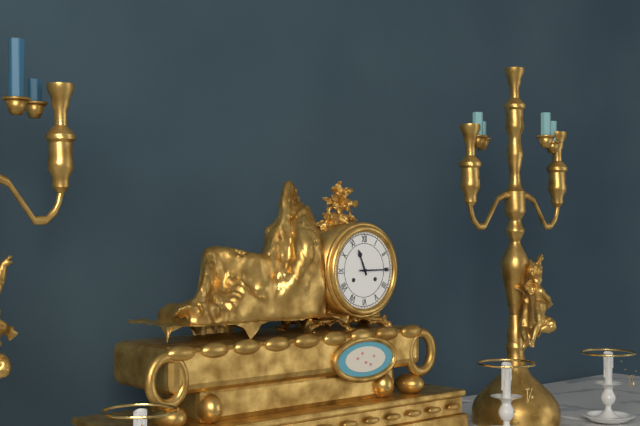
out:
{"hour": 11, "minute": 15}
